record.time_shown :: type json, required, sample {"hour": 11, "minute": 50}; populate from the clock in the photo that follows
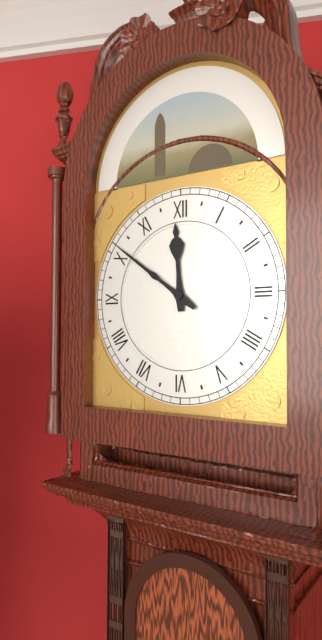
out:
{"hour": 11, "minute": 51}
